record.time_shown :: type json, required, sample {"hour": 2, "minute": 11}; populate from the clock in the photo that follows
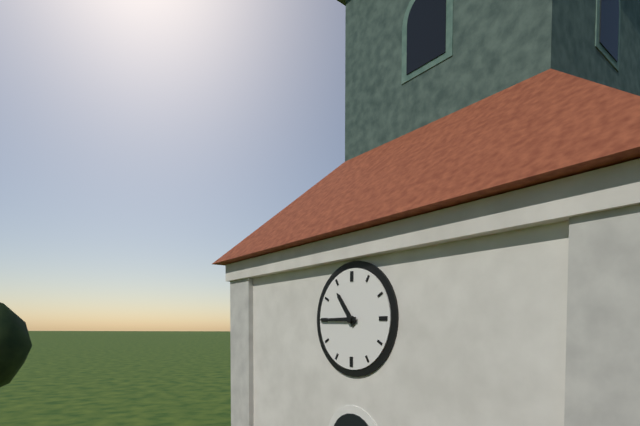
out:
{"hour": 10, "minute": 45}
